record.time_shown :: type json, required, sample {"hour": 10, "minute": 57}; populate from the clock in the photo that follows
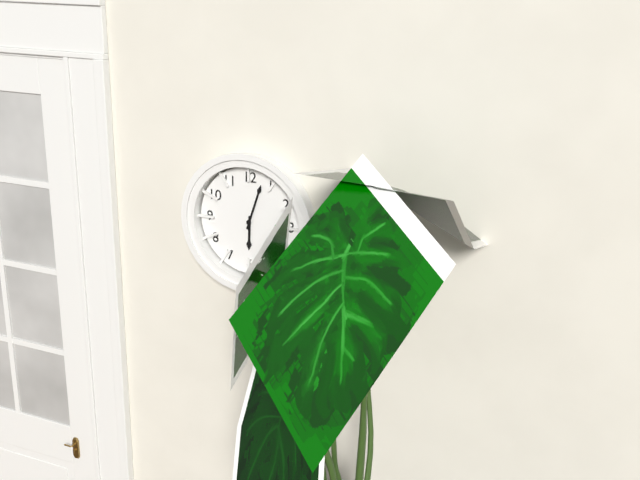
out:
{"hour": 6, "minute": 3}
